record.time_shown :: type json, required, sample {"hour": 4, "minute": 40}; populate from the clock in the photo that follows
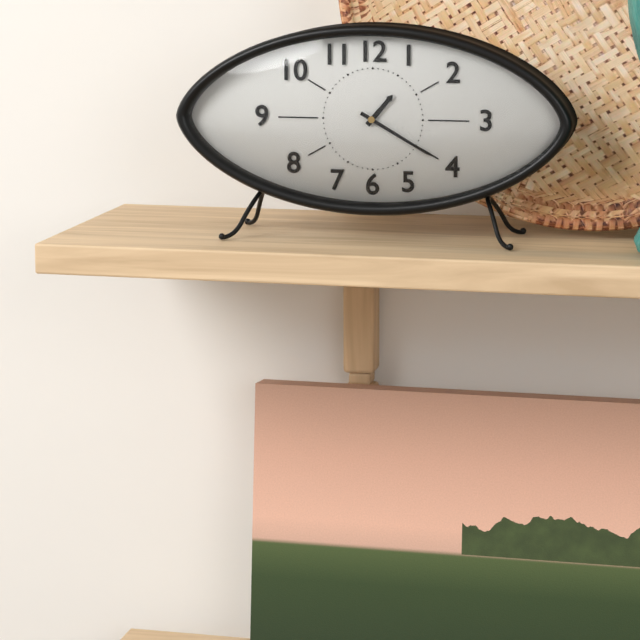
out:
{"hour": 1, "minute": 20}
